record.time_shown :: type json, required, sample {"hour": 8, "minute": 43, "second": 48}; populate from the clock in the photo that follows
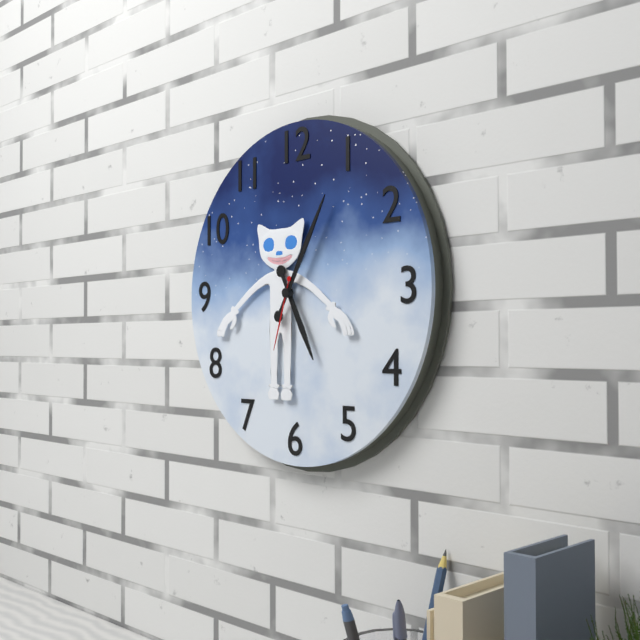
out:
{"hour": 5, "minute": 5, "second": 33}
